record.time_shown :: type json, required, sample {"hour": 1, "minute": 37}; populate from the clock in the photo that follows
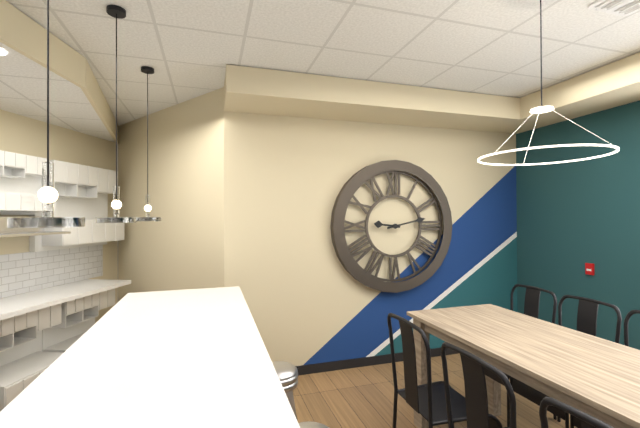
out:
{"hour": 9, "minute": 13}
